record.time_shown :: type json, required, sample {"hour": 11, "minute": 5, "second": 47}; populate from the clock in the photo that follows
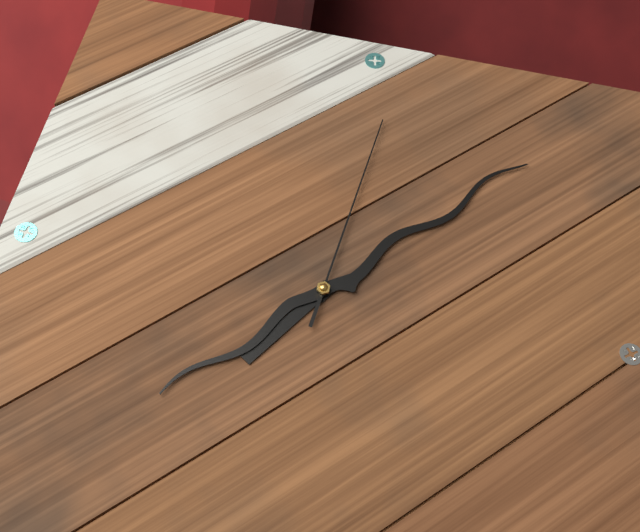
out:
{"hour": 7, "minute": 7, "second": 1}
